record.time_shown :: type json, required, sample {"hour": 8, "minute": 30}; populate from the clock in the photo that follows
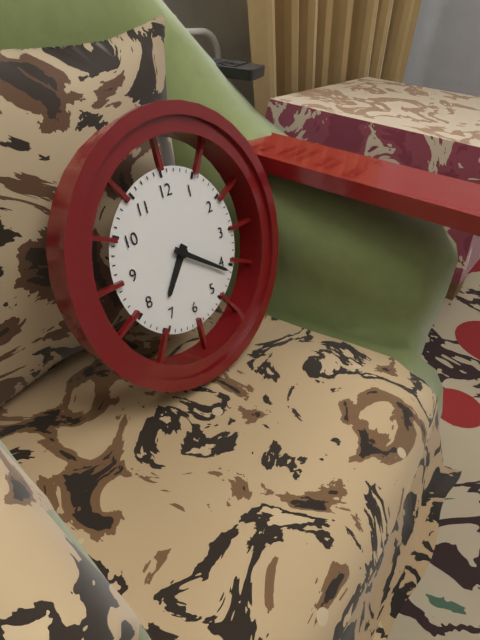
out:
{"hour": 7, "minute": 21}
